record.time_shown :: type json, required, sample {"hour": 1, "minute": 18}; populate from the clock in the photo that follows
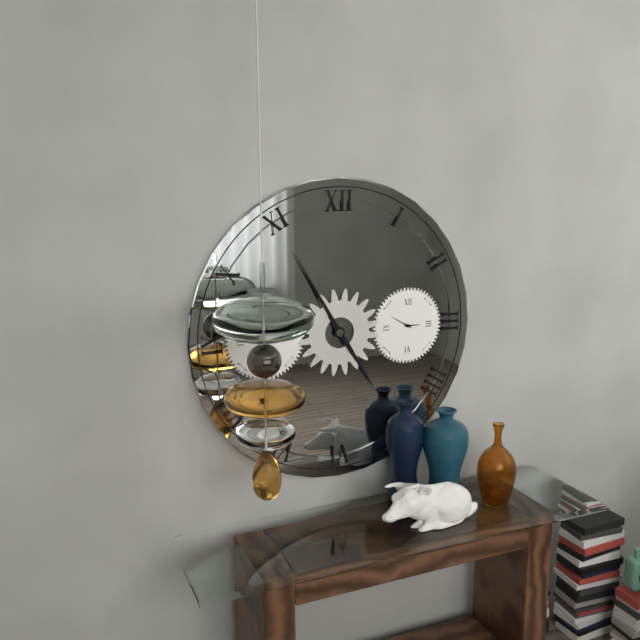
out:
{"hour": 4, "minute": 55}
